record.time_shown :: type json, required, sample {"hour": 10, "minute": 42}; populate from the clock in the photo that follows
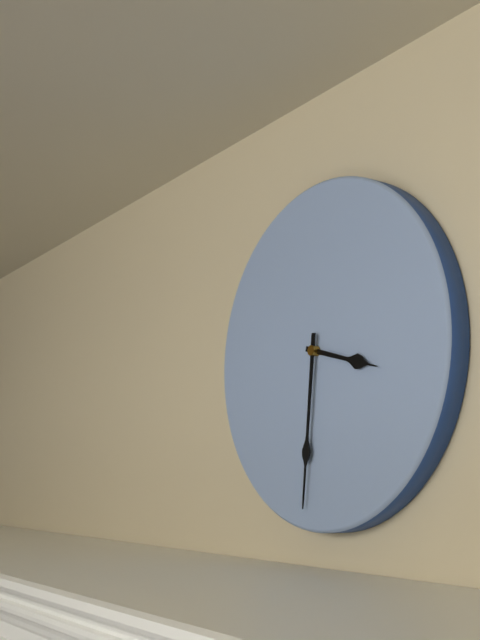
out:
{"hour": 3, "minute": 31}
